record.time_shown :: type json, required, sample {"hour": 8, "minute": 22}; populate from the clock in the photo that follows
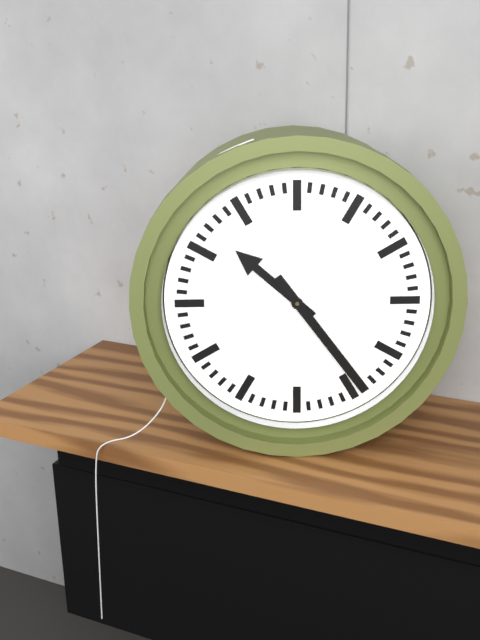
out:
{"hour": 10, "minute": 24}
